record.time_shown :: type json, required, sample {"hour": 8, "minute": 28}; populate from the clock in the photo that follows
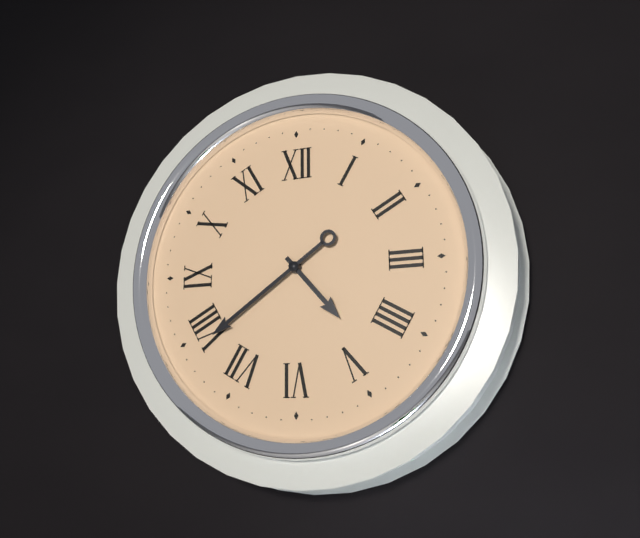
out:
{"hour": 4, "minute": 39}
